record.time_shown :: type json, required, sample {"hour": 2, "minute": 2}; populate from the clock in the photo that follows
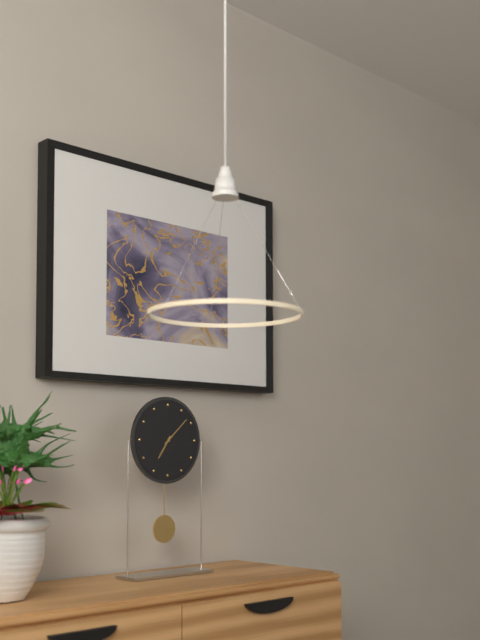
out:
{"hour": 7, "minute": 8}
